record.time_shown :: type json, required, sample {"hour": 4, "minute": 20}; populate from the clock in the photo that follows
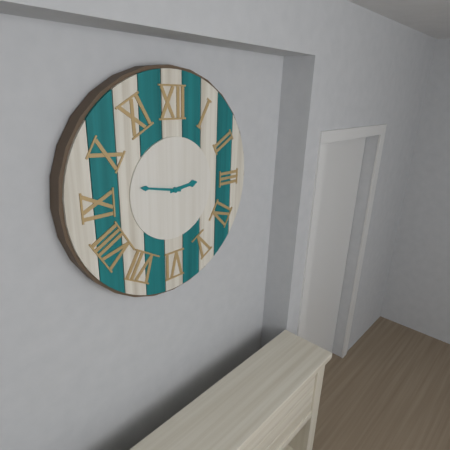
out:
{"hour": 2, "minute": 47}
